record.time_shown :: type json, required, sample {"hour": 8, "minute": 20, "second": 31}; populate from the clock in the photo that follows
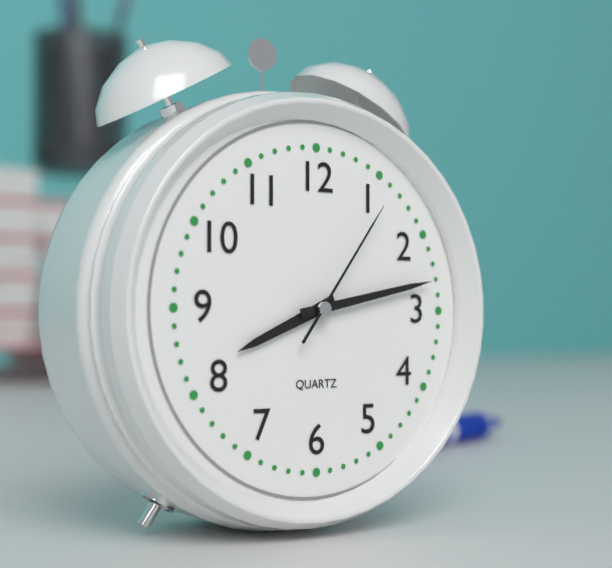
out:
{"hour": 8, "minute": 13, "second": 6}
